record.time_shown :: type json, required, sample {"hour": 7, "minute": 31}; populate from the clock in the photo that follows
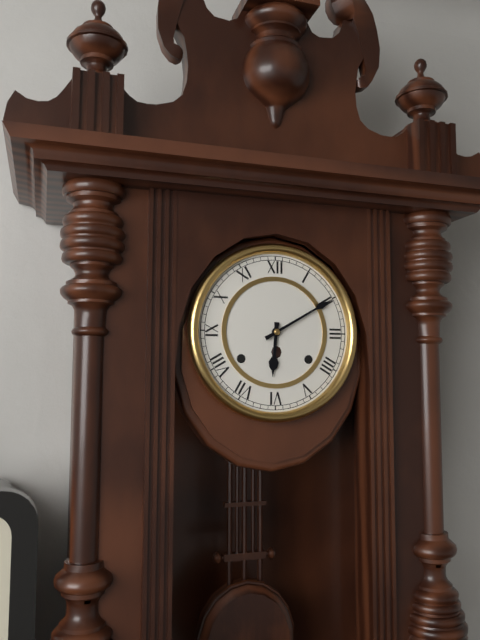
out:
{"hour": 6, "minute": 10}
